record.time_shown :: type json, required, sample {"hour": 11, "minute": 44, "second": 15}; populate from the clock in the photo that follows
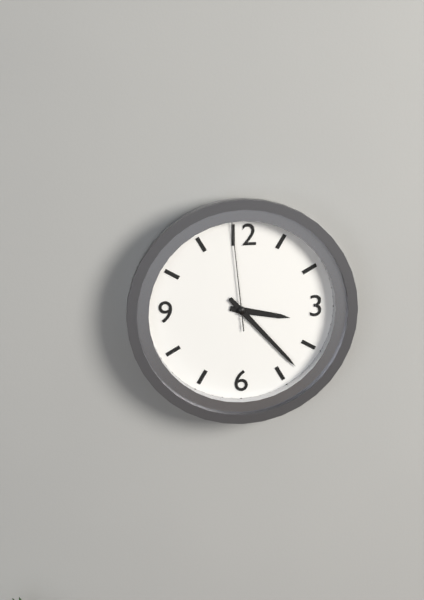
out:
{"hour": 3, "minute": 23, "second": 59}
